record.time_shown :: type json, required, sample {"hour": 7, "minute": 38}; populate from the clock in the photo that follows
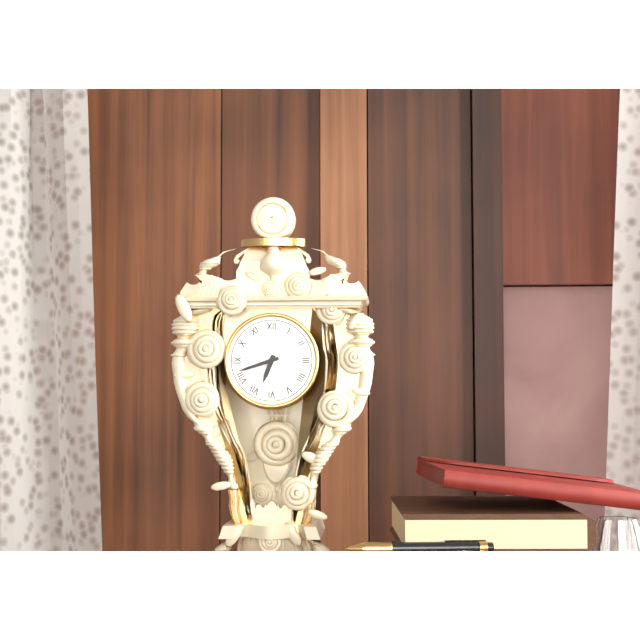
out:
{"hour": 6, "minute": 42}
